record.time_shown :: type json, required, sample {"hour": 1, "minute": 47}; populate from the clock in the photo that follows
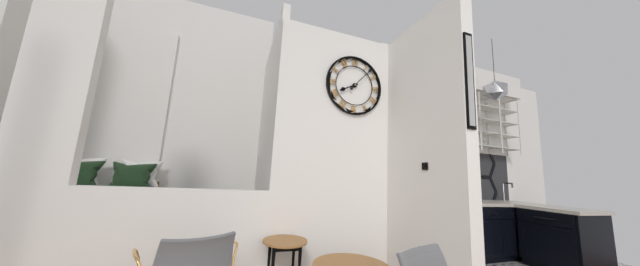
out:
{"hour": 8, "minute": 7}
